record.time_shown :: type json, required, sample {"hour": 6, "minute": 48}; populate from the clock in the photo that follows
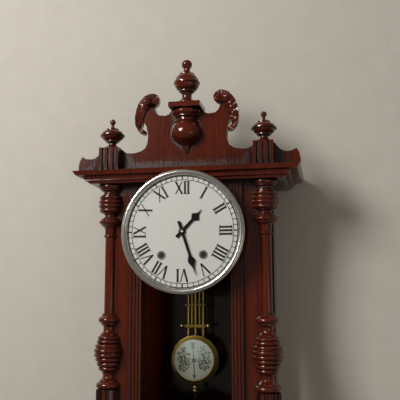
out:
{"hour": 1, "minute": 27}
